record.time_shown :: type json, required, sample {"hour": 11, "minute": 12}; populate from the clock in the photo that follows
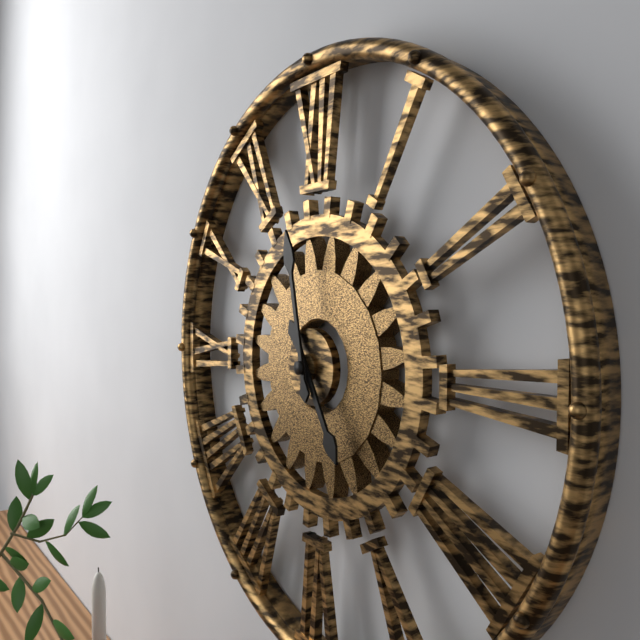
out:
{"hour": 4, "minute": 58}
